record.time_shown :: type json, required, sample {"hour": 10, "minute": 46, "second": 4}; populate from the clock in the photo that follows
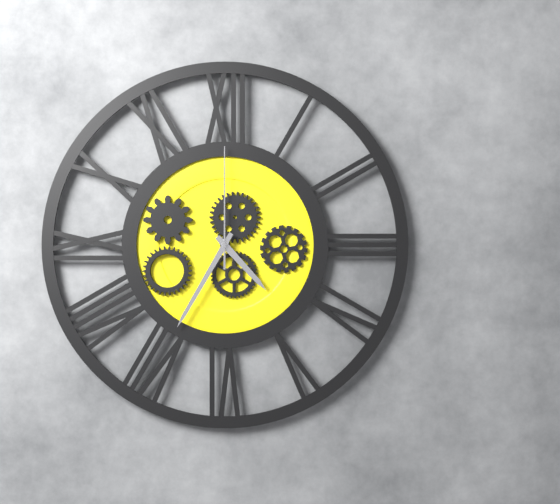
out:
{"hour": 4, "minute": 35, "second": 0}
